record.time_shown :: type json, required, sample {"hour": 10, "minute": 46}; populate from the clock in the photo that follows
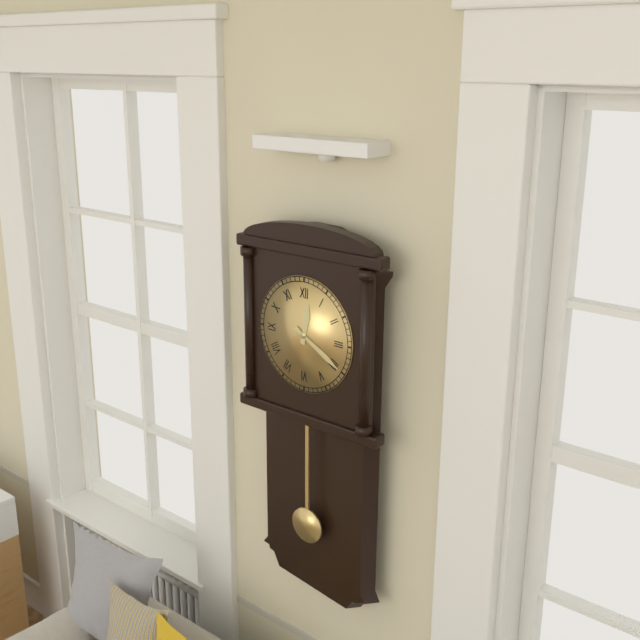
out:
{"hour": 12, "minute": 20}
